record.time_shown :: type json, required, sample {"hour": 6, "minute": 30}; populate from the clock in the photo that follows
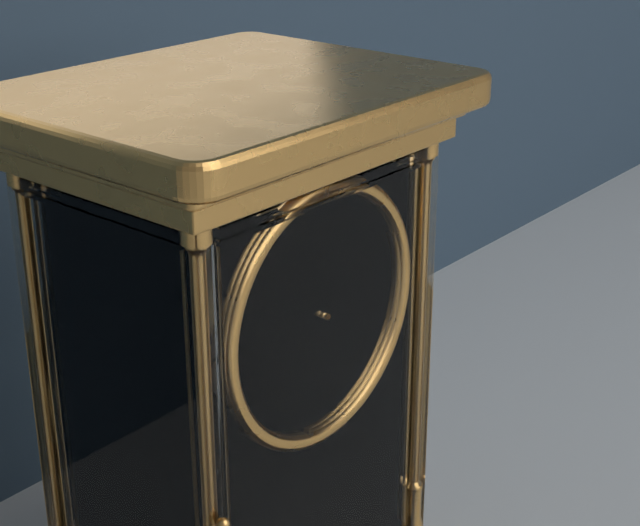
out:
{"hour": 9, "minute": 33}
